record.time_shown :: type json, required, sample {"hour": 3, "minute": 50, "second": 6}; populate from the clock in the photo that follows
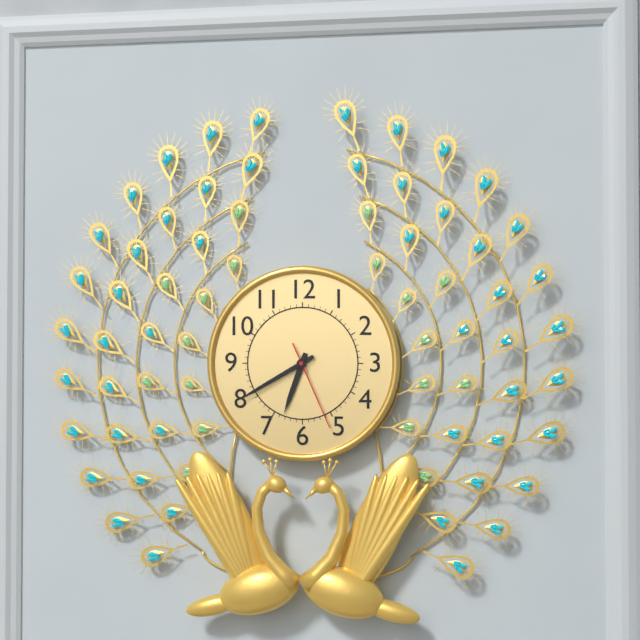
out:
{"hour": 6, "minute": 40, "second": 26}
